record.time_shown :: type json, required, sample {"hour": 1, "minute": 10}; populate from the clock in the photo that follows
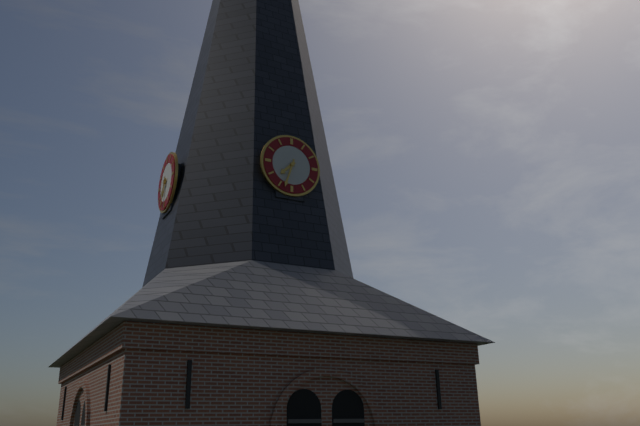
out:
{"hour": 7, "minute": 33}
